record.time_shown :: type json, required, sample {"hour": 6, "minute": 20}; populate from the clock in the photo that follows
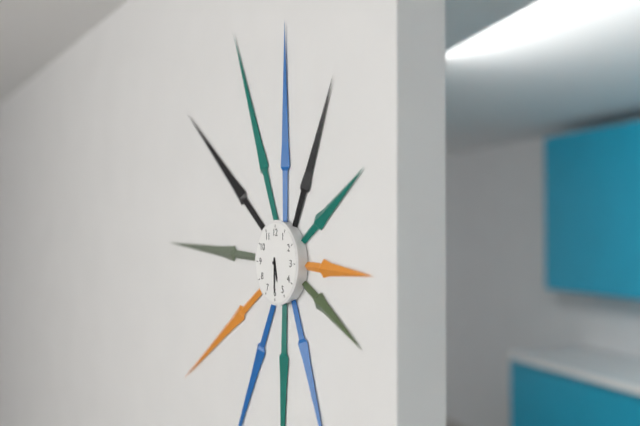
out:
{"hour": 5, "minute": 30}
